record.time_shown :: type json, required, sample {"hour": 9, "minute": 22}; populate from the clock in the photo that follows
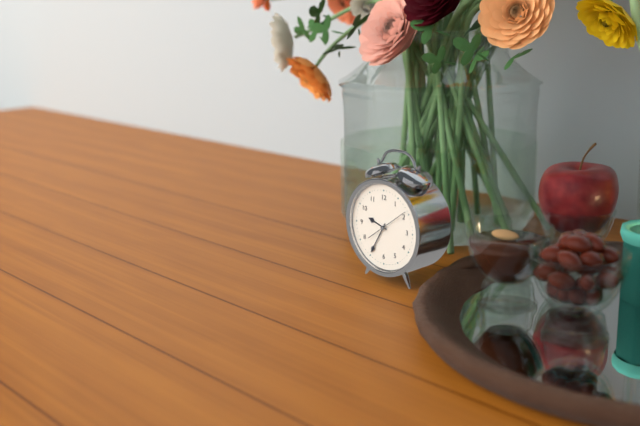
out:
{"hour": 9, "minute": 35}
